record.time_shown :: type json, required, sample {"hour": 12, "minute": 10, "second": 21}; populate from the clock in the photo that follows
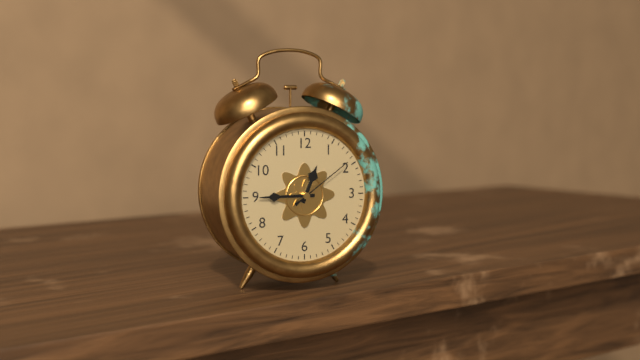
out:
{"hour": 12, "minute": 45, "second": 9}
